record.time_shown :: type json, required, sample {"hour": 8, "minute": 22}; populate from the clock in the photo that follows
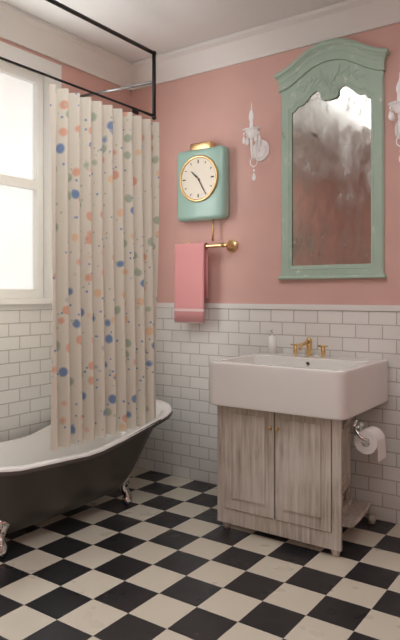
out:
{"hour": 10, "minute": 25}
